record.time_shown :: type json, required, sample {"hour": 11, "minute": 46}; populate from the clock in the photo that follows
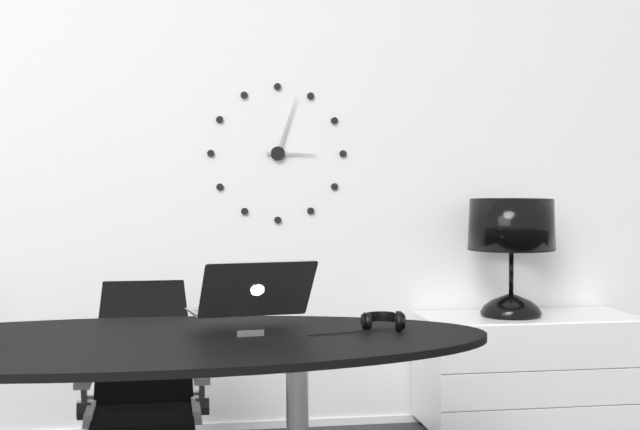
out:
{"hour": 3, "minute": 3}
